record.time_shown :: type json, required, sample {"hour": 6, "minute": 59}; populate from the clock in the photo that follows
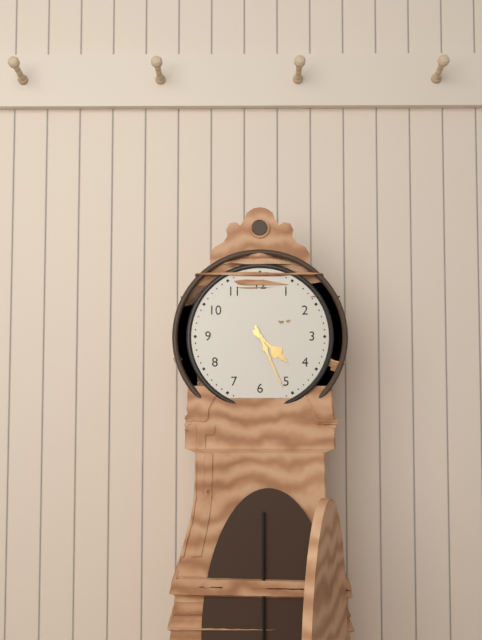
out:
{"hour": 4, "minute": 26}
